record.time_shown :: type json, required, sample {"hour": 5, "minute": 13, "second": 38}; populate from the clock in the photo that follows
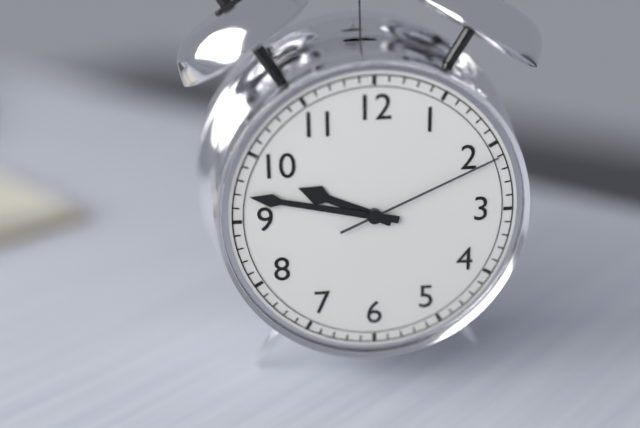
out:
{"hour": 9, "minute": 47, "second": 11}
